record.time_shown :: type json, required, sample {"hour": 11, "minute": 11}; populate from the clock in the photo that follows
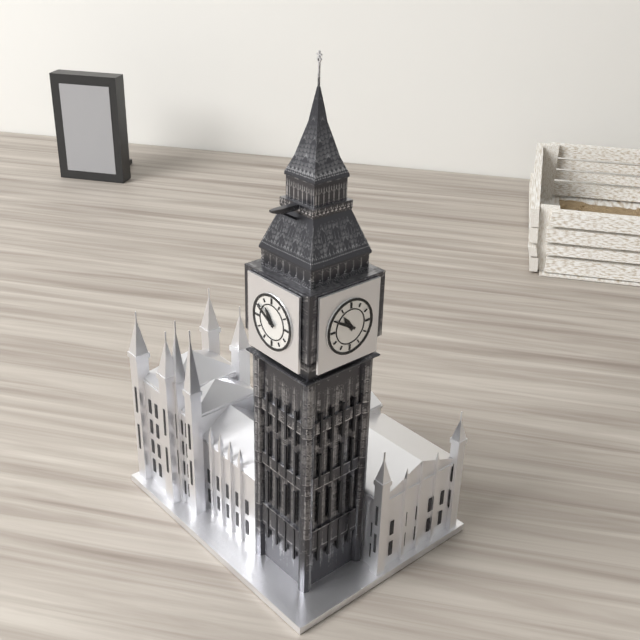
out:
{"hour": 10, "minute": 50}
